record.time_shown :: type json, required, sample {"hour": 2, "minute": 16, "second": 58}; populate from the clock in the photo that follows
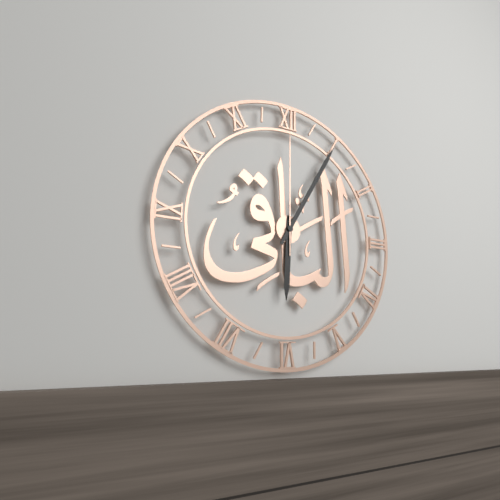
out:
{"hour": 6, "minute": 5, "second": 0}
